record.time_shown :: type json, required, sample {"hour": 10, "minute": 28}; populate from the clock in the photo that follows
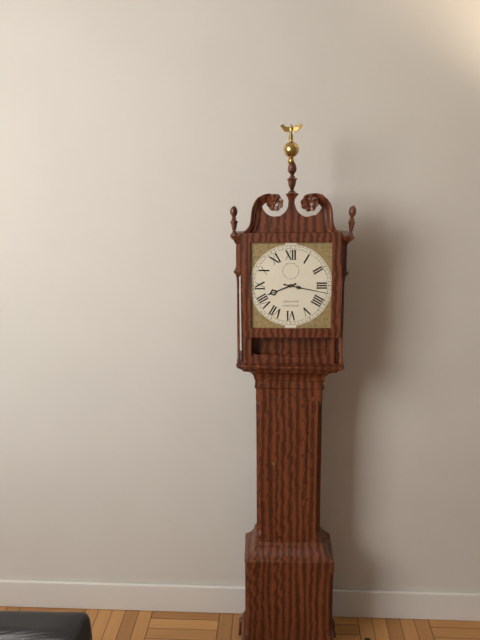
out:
{"hour": 8, "minute": 17}
